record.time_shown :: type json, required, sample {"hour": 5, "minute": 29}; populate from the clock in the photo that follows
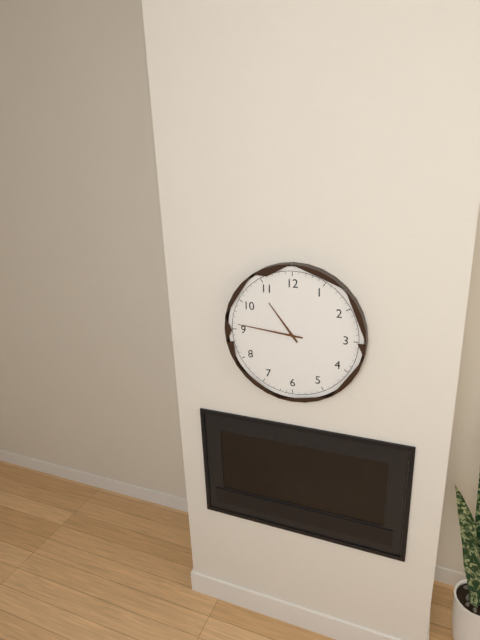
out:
{"hour": 10, "minute": 46}
